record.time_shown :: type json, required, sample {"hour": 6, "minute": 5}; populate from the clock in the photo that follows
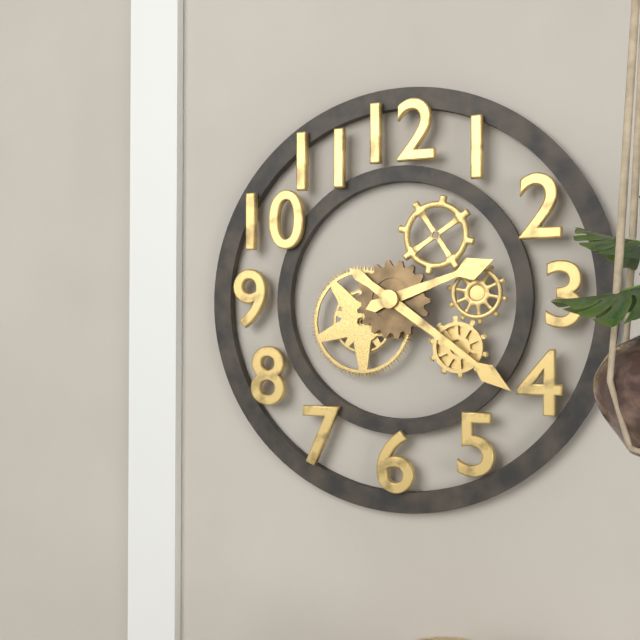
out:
{"hour": 2, "minute": 21}
